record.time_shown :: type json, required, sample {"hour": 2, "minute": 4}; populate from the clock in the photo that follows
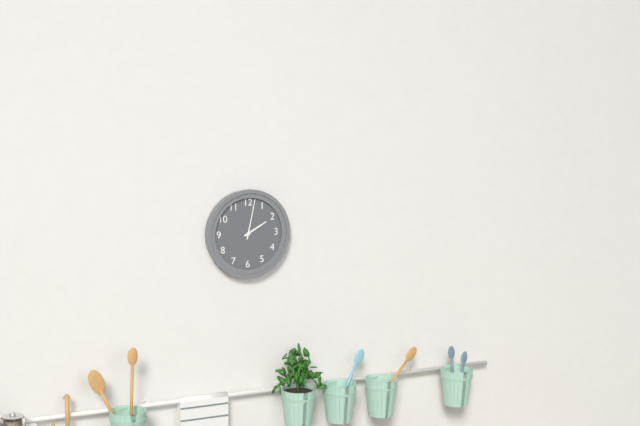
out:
{"hour": 2, "minute": 2}
